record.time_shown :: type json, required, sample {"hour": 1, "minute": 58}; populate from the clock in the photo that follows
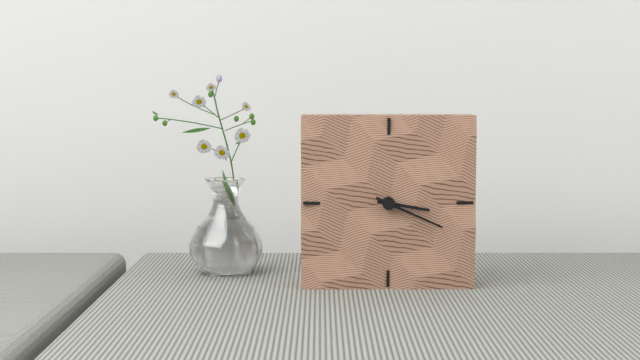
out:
{"hour": 3, "minute": 19}
